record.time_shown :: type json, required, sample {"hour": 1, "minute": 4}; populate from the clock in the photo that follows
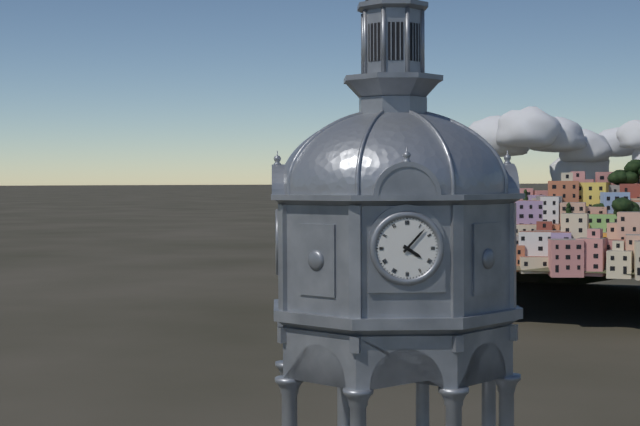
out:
{"hour": 4, "minute": 7}
